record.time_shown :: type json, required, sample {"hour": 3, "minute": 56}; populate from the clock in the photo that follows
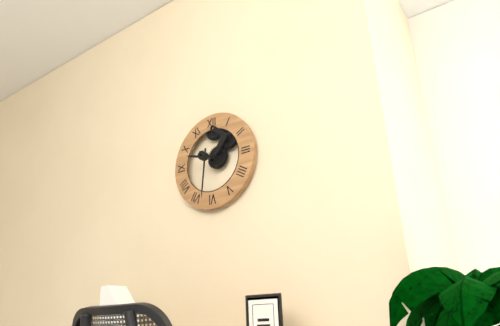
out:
{"hour": 9, "minute": 31}
